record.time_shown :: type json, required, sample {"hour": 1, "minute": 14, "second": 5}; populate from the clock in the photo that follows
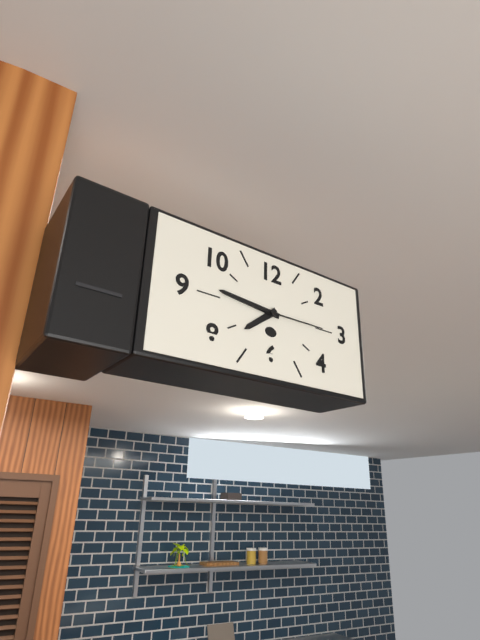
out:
{"hour": 7, "minute": 46, "second": 15}
